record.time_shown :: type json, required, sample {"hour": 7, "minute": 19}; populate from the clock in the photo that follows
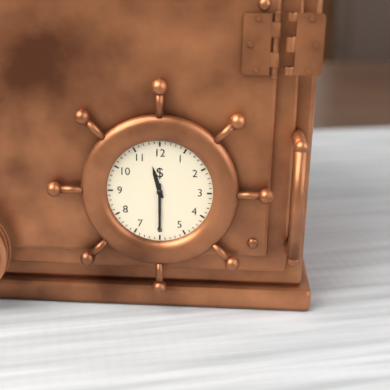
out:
{"hour": 11, "minute": 30}
